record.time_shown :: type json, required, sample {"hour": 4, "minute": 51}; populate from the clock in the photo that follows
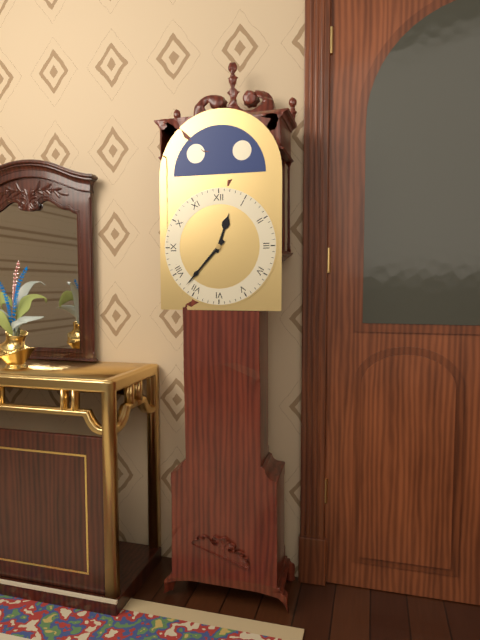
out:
{"hour": 12, "minute": 37}
